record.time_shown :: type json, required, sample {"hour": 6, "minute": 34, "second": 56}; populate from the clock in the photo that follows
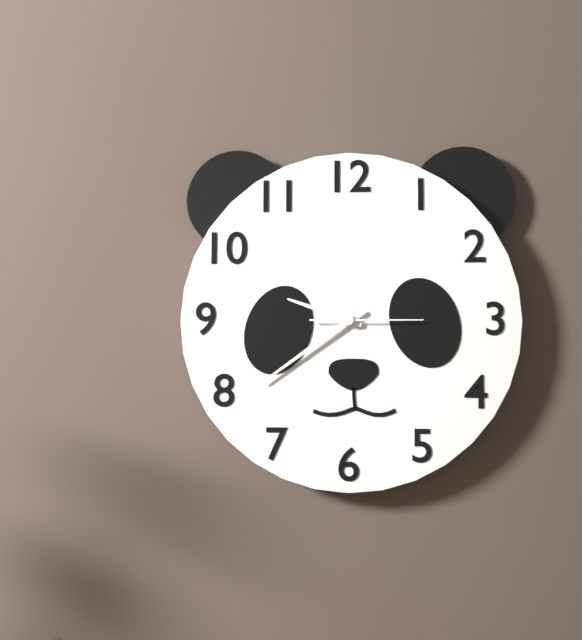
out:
{"hour": 9, "minute": 39, "second": 15}
